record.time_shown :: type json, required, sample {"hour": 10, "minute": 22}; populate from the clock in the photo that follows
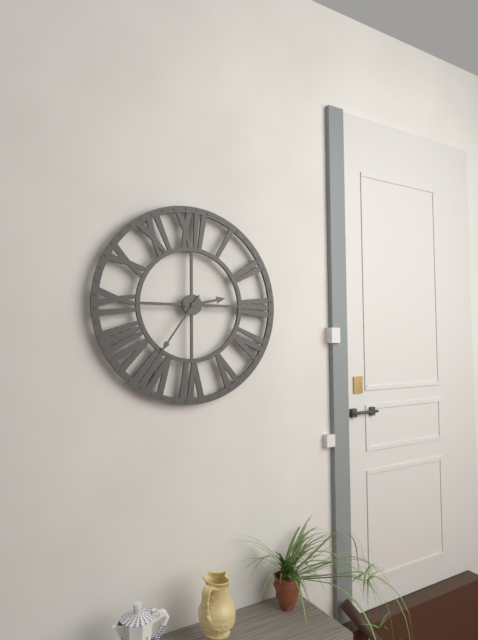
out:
{"hour": 2, "minute": 36}
